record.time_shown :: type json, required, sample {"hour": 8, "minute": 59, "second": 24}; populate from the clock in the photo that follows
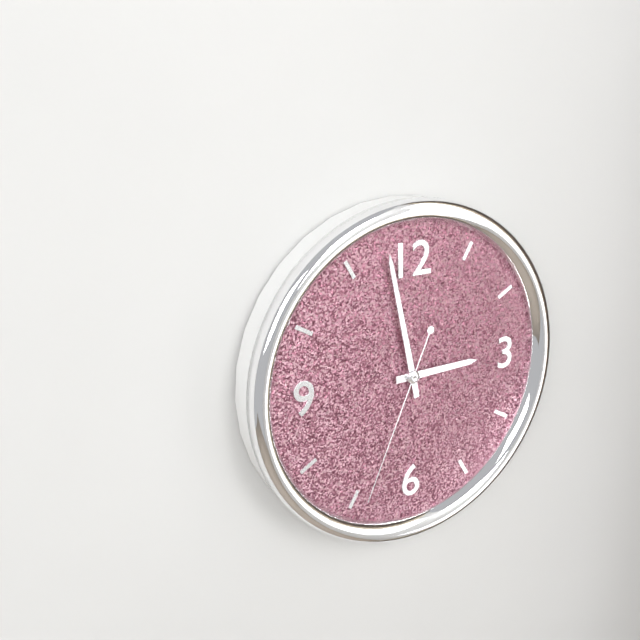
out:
{"hour": 2, "minute": 58, "second": 34}
